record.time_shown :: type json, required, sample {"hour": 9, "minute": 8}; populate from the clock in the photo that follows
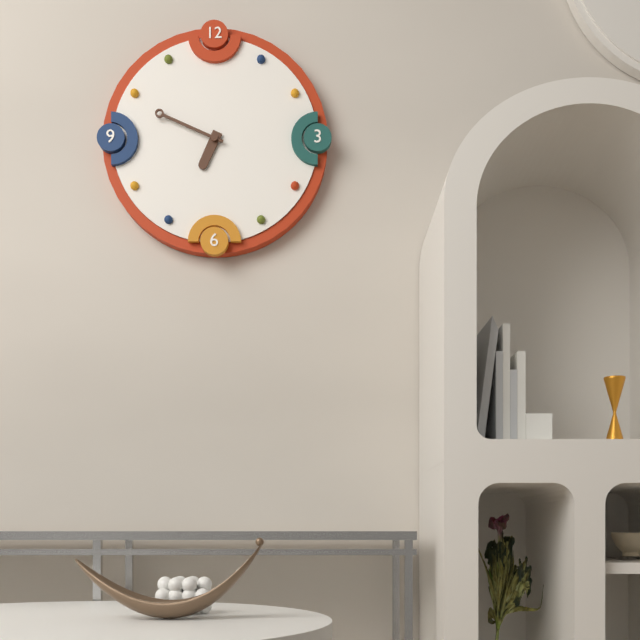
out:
{"hour": 6, "minute": 49}
